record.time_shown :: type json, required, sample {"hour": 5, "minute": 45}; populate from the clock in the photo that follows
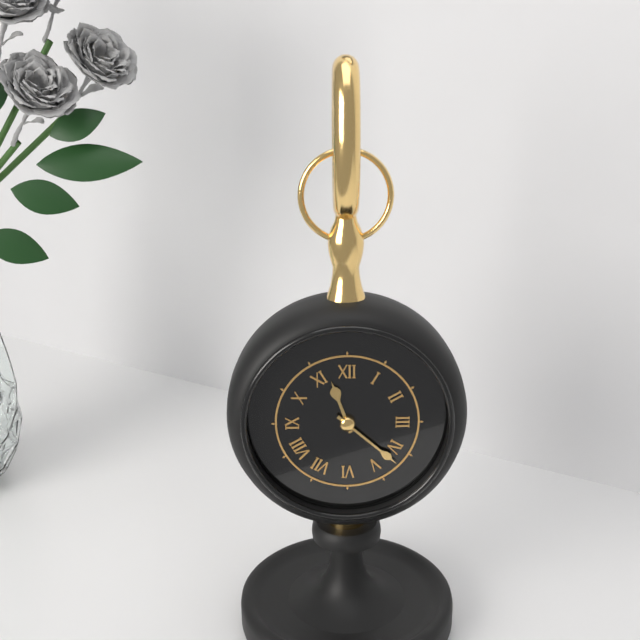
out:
{"hour": 11, "minute": 22}
